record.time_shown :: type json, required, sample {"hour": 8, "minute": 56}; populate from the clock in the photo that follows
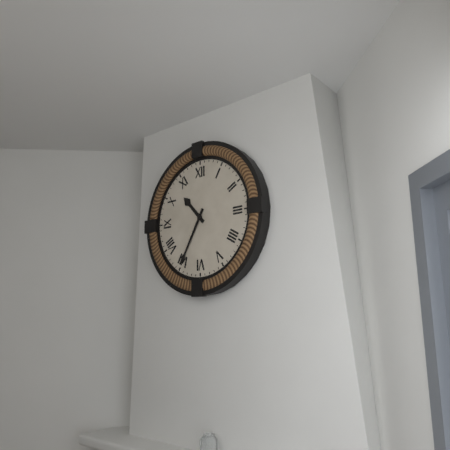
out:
{"hour": 10, "minute": 35}
